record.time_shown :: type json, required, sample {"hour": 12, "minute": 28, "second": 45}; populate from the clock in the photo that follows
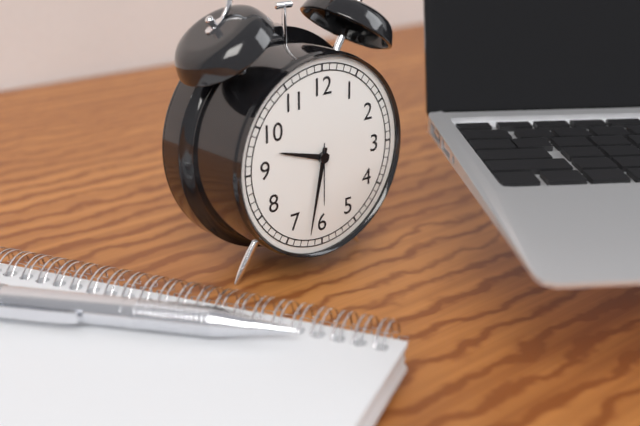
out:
{"hour": 9, "minute": 32, "second": 30}
